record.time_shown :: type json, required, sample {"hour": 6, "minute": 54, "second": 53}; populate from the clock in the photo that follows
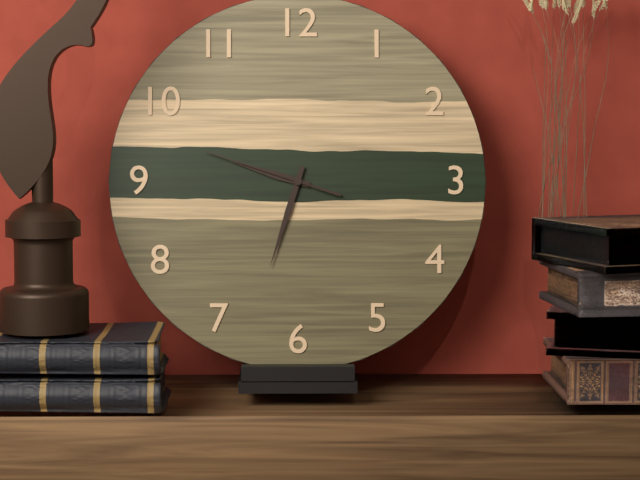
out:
{"hour": 9, "minute": 33, "second": 48}
